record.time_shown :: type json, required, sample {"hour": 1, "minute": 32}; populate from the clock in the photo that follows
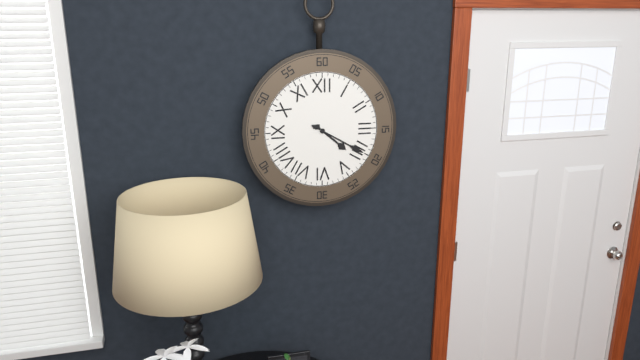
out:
{"hour": 4, "minute": 20}
